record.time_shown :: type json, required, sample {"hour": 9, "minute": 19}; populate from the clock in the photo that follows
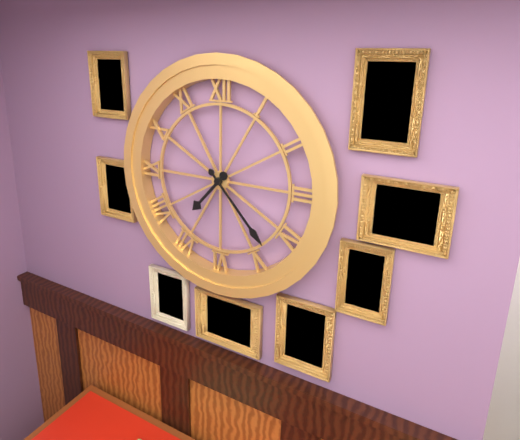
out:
{"hour": 7, "minute": 23}
